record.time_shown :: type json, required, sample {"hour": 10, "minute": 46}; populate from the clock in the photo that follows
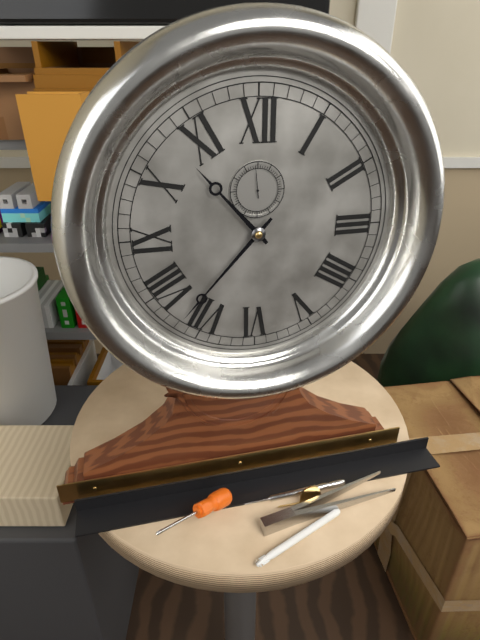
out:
{"hour": 10, "minute": 37}
